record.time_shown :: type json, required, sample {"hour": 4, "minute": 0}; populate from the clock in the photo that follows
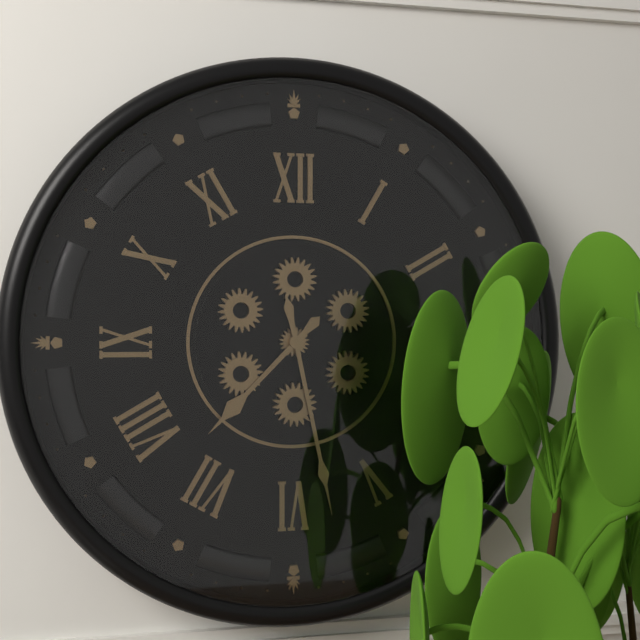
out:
{"hour": 7, "minute": 28}
